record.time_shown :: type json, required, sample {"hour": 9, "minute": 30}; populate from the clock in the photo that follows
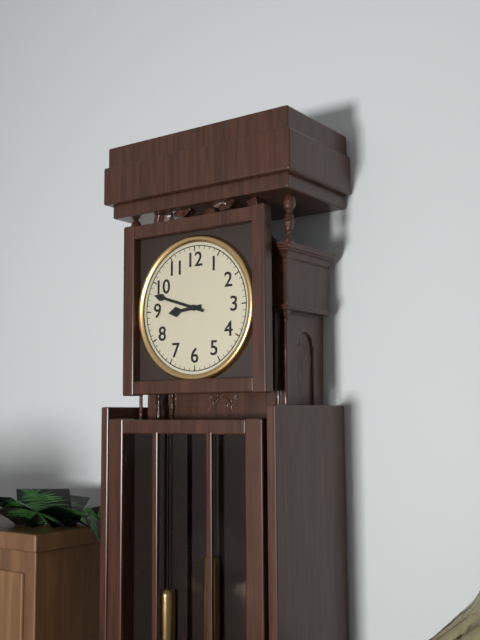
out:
{"hour": 8, "minute": 48}
